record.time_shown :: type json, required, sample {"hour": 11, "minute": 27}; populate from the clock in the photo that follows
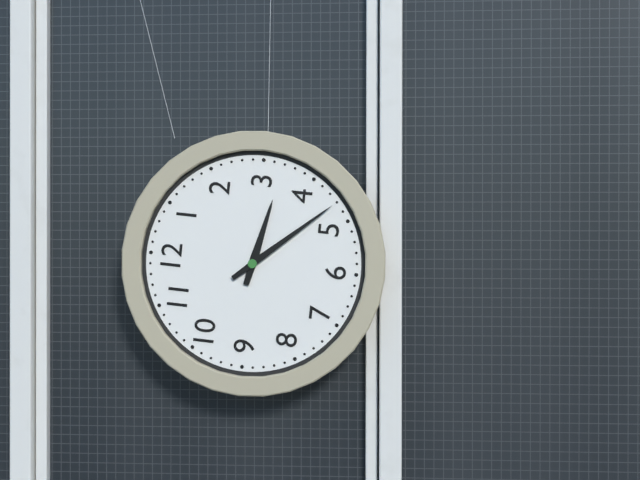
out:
{"hour": 3, "minute": 23}
